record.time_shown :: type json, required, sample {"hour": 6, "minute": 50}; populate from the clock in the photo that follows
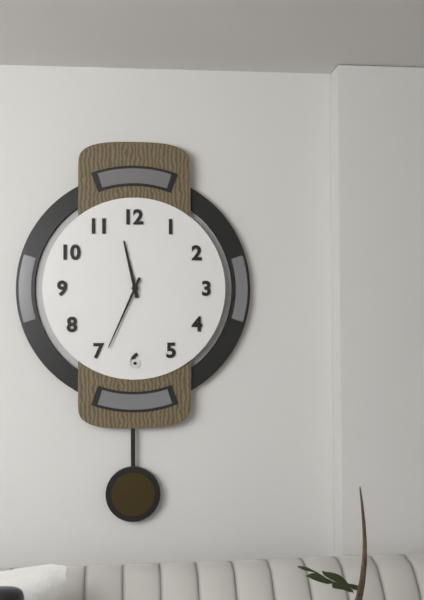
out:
{"hour": 11, "minute": 34}
